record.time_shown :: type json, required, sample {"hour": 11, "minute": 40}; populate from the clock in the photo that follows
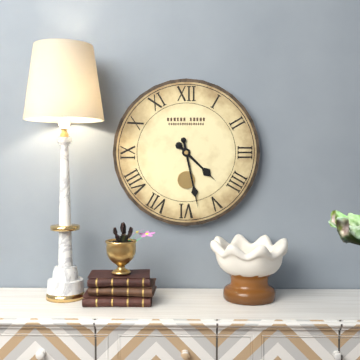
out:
{"hour": 4, "minute": 28}
